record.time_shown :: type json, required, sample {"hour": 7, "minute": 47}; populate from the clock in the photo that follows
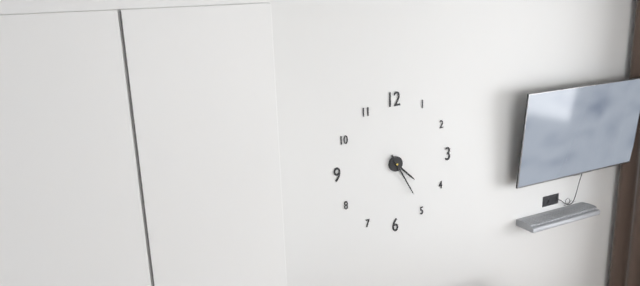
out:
{"hour": 4, "minute": 25}
